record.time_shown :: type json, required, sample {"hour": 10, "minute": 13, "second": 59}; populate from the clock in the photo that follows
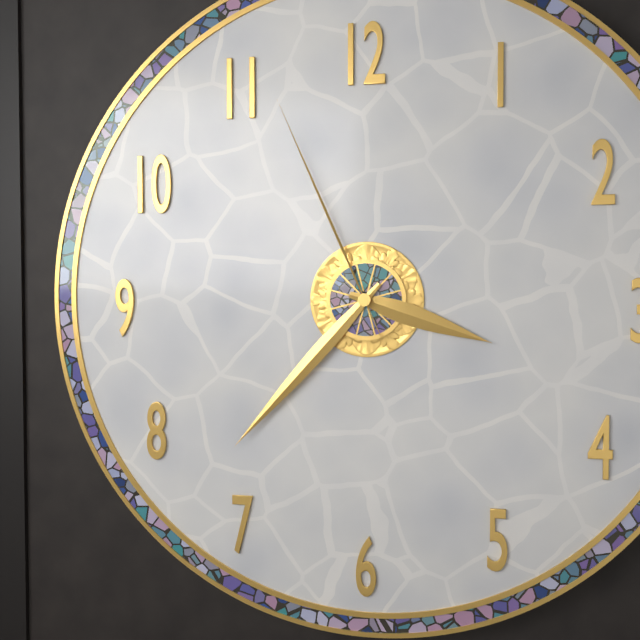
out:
{"hour": 3, "minute": 37, "second": 56}
